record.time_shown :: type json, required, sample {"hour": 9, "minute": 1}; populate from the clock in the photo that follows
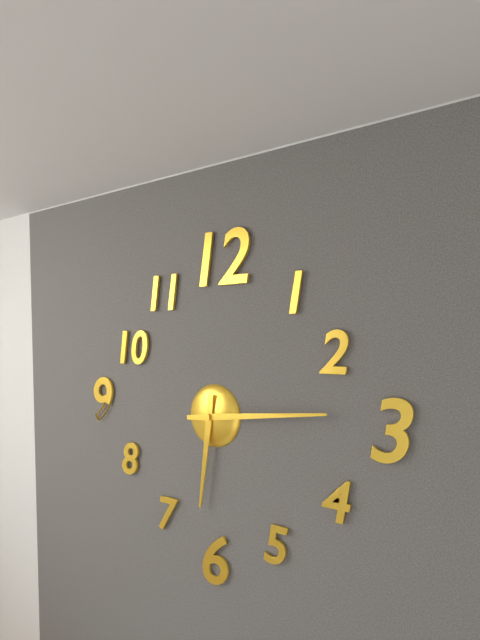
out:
{"hour": 6, "minute": 14}
